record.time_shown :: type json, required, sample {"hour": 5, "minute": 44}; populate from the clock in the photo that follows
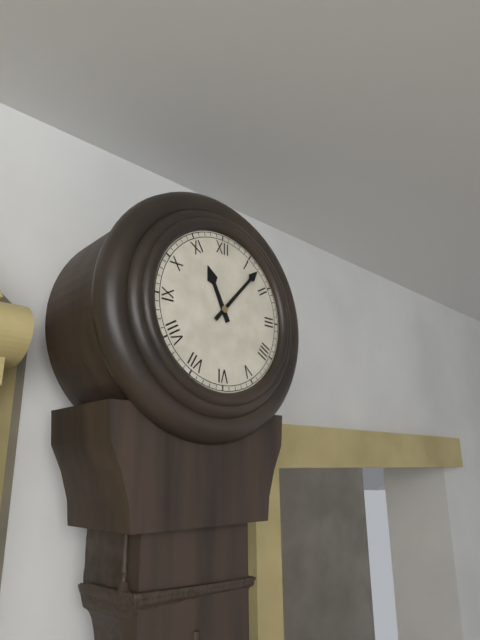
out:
{"hour": 11, "minute": 7}
